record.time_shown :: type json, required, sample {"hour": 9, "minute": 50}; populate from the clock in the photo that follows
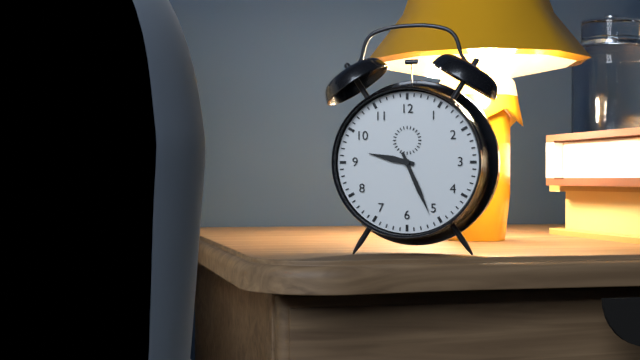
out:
{"hour": 9, "minute": 26}
